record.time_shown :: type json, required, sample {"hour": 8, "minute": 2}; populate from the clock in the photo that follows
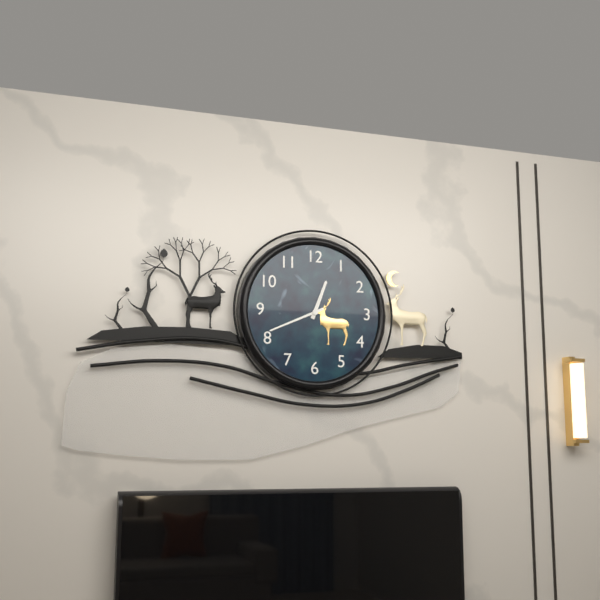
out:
{"hour": 12, "minute": 41}
